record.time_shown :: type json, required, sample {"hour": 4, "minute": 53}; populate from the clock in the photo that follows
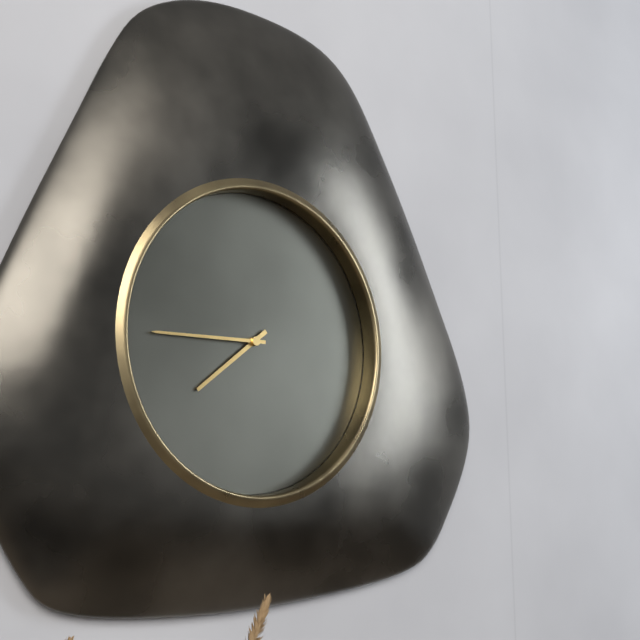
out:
{"hour": 7, "minute": 45}
